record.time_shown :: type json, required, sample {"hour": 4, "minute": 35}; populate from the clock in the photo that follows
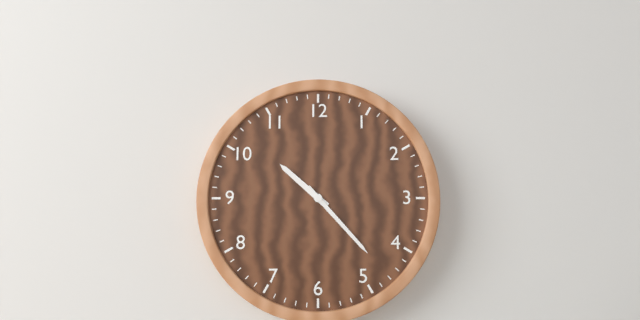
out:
{"hour": 10, "minute": 23}
